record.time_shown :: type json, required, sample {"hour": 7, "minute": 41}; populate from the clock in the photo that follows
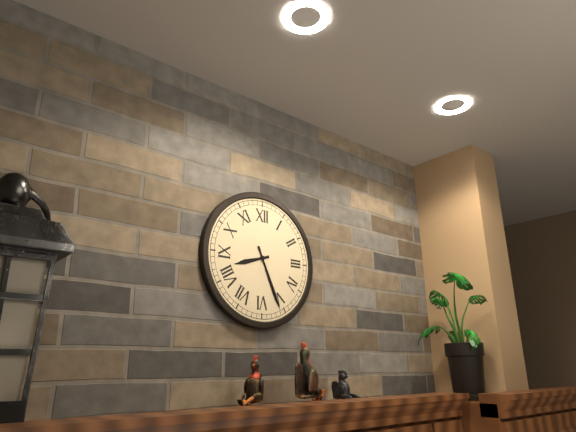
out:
{"hour": 8, "minute": 26}
